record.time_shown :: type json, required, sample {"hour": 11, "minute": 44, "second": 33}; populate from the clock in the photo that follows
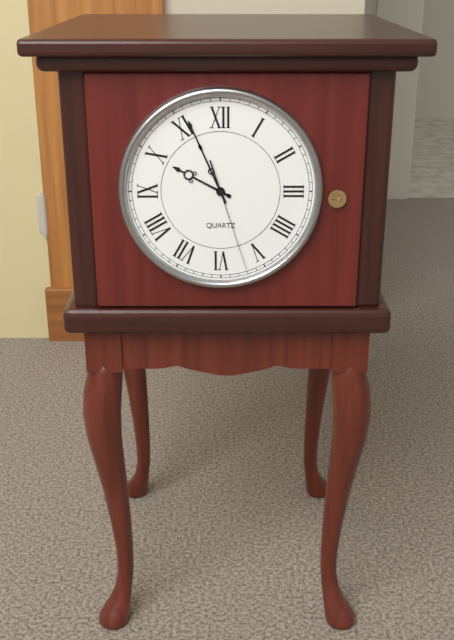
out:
{"hour": 9, "minute": 56, "second": 27}
